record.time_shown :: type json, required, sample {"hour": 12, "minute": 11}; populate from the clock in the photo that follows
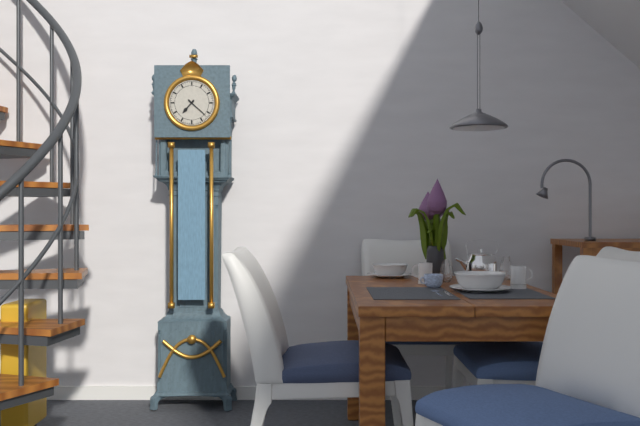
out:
{"hour": 7, "minute": 22}
